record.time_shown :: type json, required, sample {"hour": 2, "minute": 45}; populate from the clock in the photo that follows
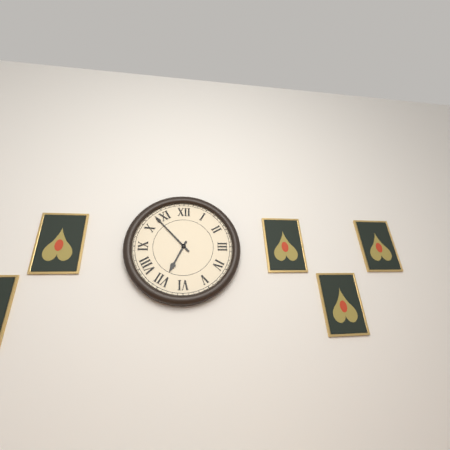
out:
{"hour": 6, "minute": 53}
